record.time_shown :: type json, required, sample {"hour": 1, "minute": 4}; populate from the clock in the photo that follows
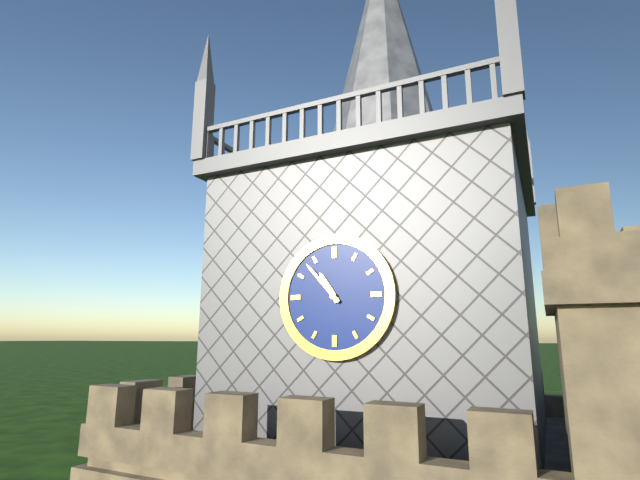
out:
{"hour": 10, "minute": 53}
